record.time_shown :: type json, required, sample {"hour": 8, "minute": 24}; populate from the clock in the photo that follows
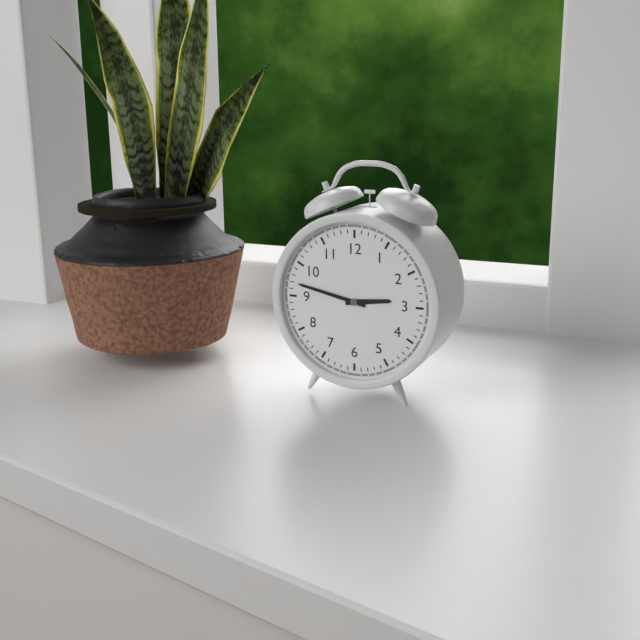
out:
{"hour": 2, "minute": 47}
